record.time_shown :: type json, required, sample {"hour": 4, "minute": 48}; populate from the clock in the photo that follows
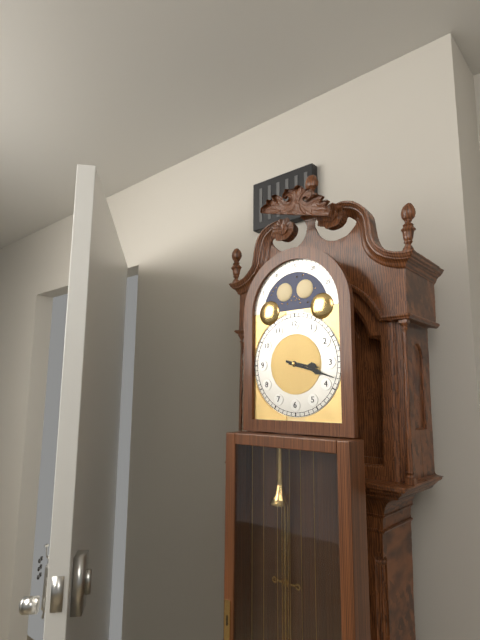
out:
{"hour": 3, "minute": 18}
